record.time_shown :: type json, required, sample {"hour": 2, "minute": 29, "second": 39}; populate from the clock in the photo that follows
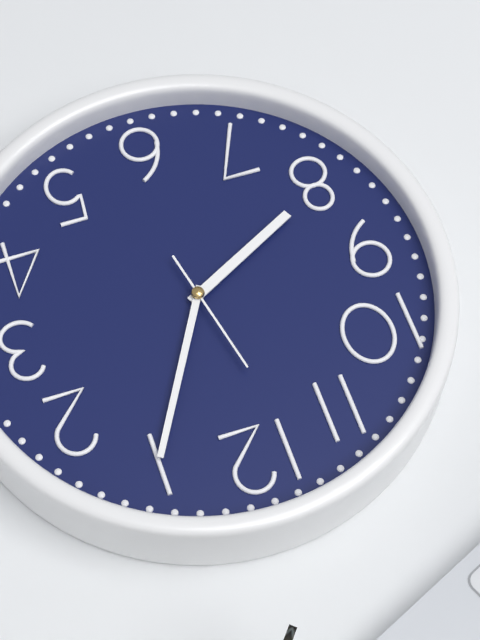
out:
{"hour": 8, "minute": 5, "second": 58}
